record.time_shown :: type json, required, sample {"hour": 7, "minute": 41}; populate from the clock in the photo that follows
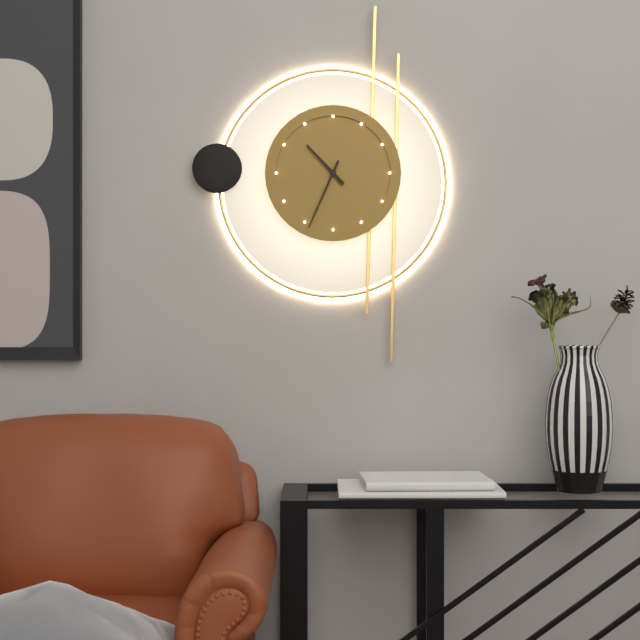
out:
{"hour": 10, "minute": 34}
